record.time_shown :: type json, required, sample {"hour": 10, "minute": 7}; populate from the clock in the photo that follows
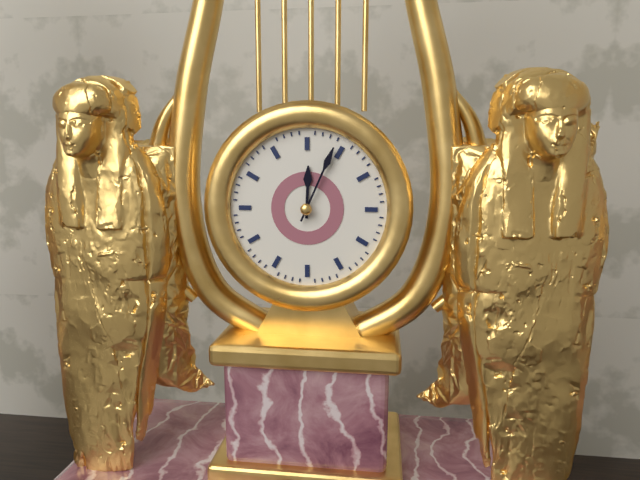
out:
{"hour": 12, "minute": 4}
